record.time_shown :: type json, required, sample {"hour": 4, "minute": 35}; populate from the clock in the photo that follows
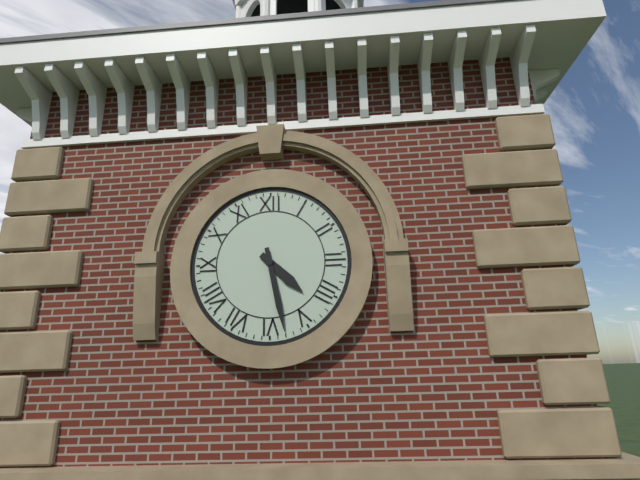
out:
{"hour": 4, "minute": 28}
